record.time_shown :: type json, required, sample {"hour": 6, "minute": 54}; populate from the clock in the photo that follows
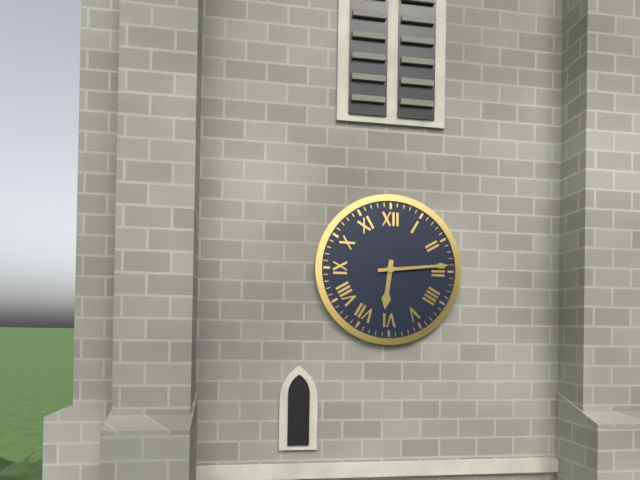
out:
{"hour": 6, "minute": 14}
